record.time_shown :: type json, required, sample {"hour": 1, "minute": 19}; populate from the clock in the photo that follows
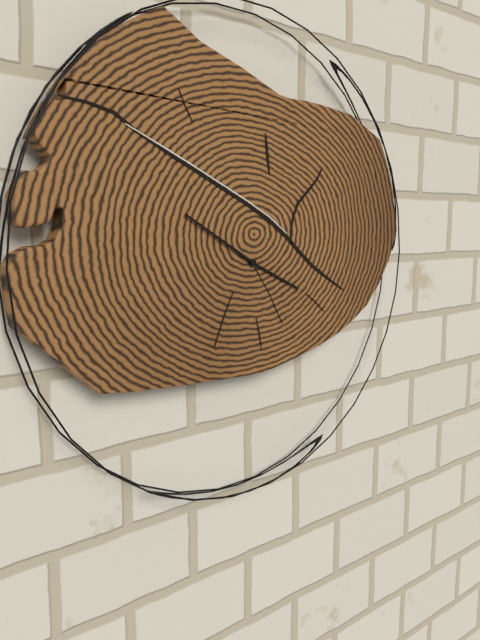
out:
{"hour": 3, "minute": 50}
